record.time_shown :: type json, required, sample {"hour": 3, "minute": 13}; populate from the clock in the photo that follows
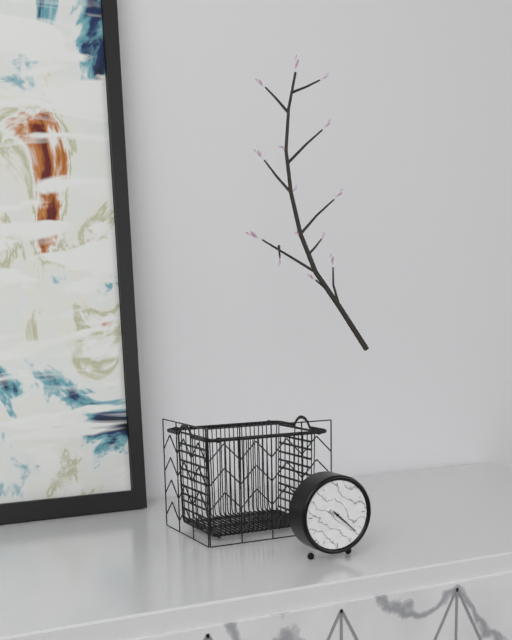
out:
{"hour": 4, "minute": 22}
